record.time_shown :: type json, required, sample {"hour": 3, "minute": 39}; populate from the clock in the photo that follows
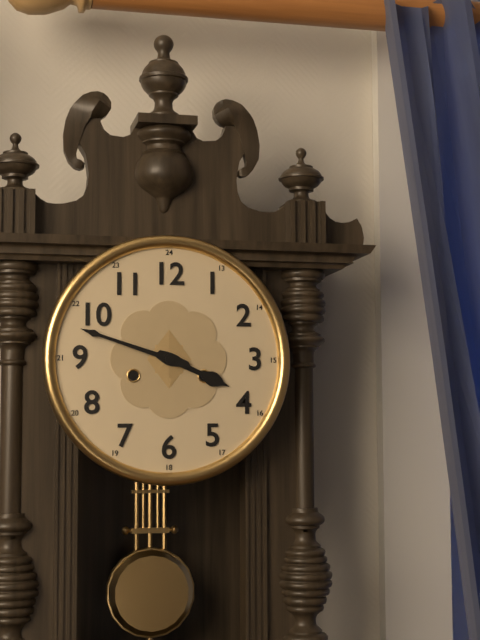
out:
{"hour": 3, "minute": 48}
